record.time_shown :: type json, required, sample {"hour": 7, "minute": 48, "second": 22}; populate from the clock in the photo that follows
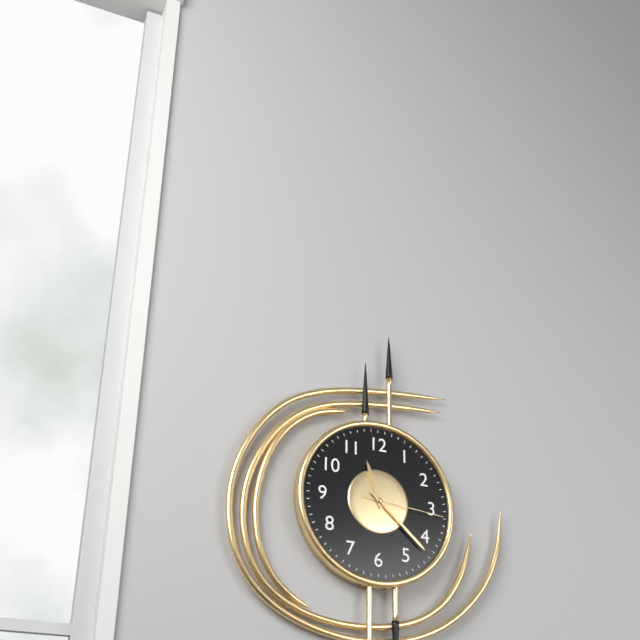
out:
{"hour": 11, "minute": 22, "second": 16}
